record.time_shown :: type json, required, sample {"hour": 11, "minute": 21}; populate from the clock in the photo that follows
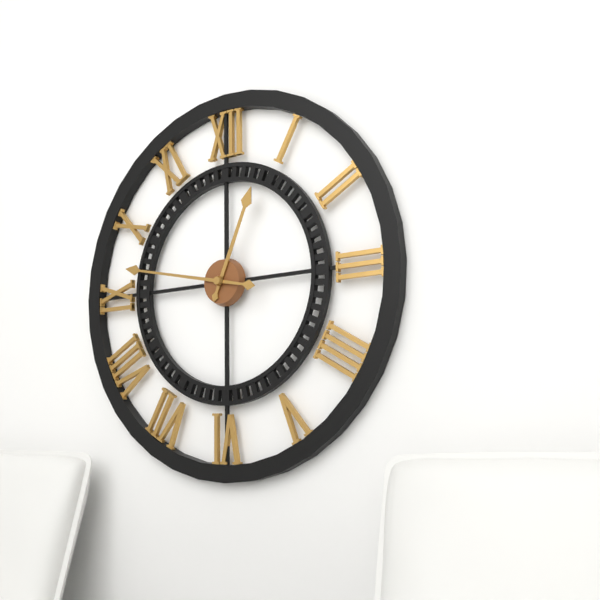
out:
{"hour": 12, "minute": 47}
